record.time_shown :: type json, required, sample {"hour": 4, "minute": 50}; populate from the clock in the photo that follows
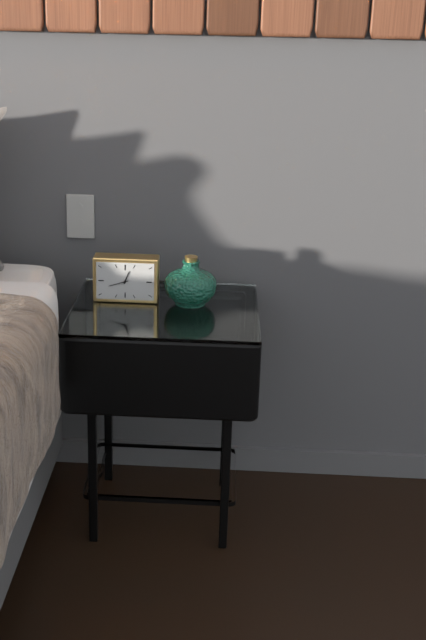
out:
{"hour": 12, "minute": 42}
